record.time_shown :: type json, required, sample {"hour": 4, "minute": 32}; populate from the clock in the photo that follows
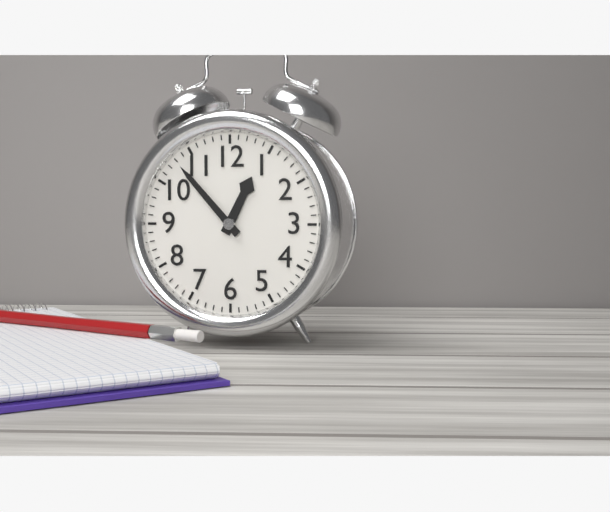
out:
{"hour": 12, "minute": 53}
